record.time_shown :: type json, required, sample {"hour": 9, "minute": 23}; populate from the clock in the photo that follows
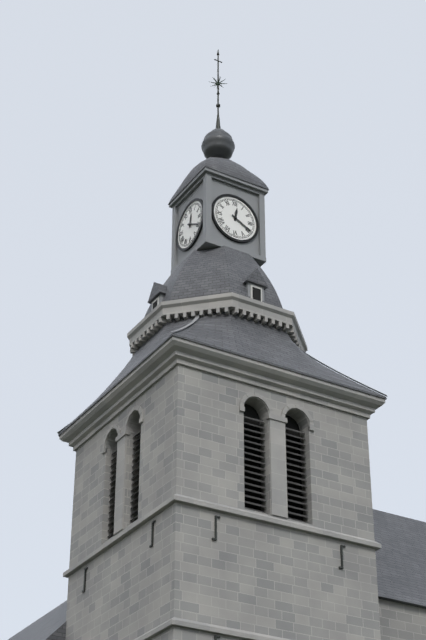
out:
{"hour": 12, "minute": 20}
